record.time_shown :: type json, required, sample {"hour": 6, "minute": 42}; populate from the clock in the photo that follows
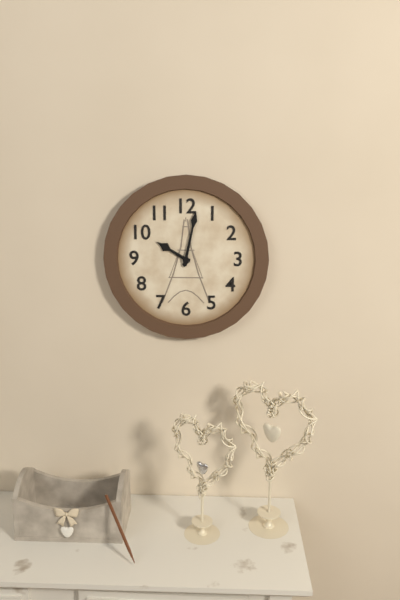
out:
{"hour": 10, "minute": 2}
